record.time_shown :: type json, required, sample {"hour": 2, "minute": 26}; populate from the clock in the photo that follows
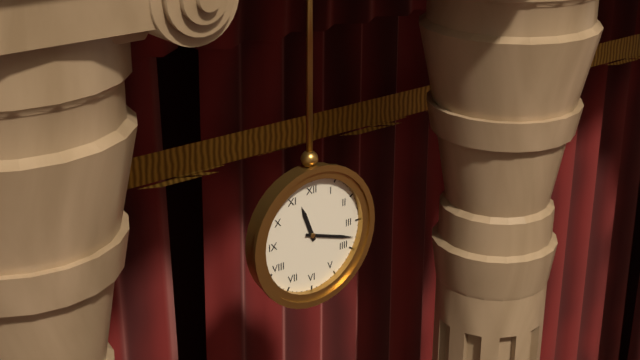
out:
{"hour": 11, "minute": 18}
